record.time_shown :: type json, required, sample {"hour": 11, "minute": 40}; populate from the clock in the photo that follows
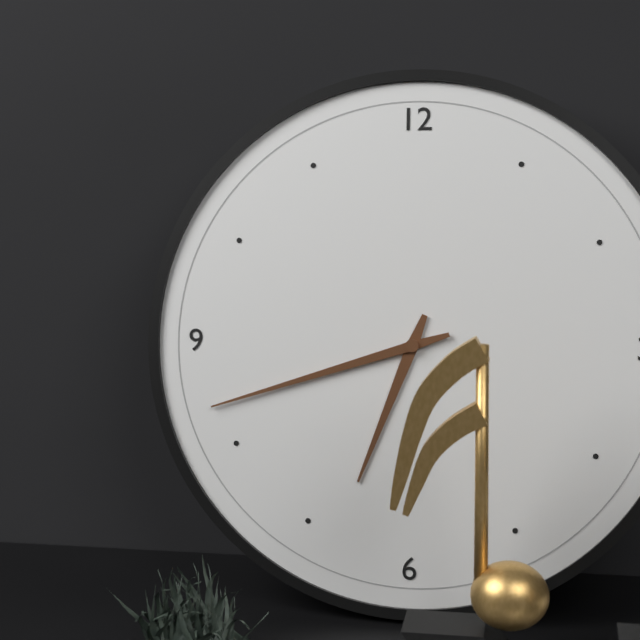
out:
{"hour": 6, "minute": 42}
